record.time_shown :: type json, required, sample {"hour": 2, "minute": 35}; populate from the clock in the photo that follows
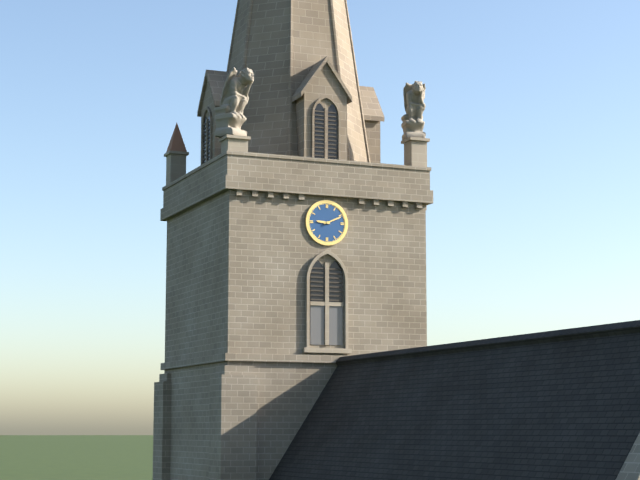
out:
{"hour": 9, "minute": 11}
